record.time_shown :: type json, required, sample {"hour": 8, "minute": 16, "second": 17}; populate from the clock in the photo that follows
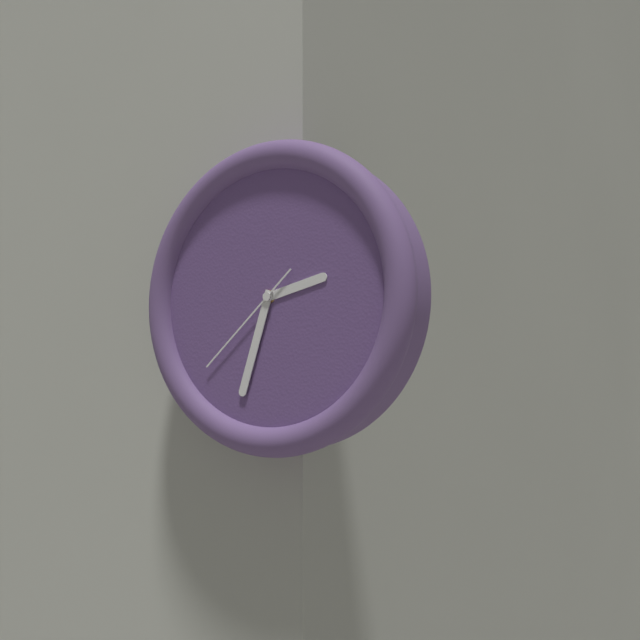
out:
{"hour": 2, "minute": 33, "second": 38}
